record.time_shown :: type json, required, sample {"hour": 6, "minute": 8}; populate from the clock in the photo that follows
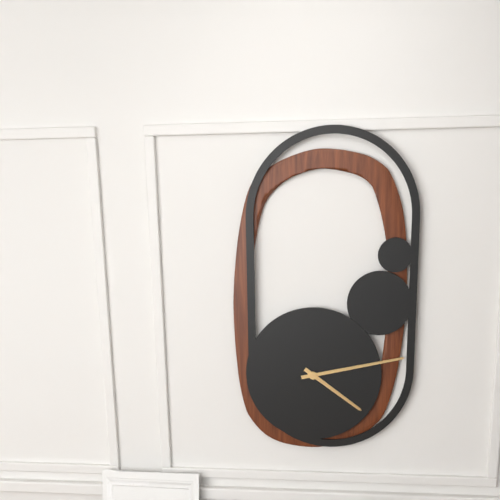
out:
{"hour": 4, "minute": 13}
